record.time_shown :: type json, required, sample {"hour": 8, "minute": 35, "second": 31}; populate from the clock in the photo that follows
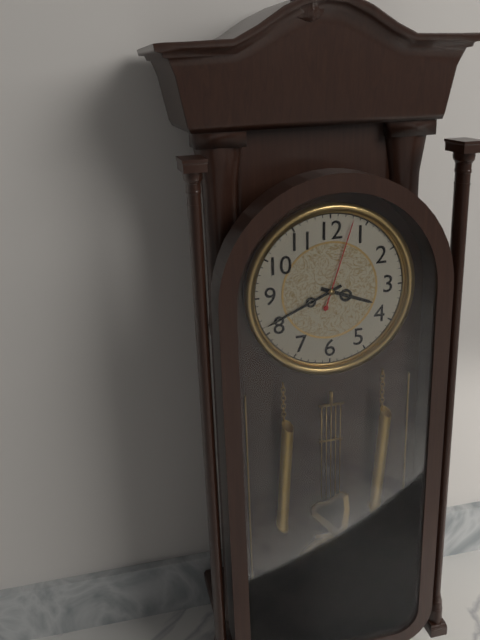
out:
{"hour": 3, "minute": 41, "second": 3}
